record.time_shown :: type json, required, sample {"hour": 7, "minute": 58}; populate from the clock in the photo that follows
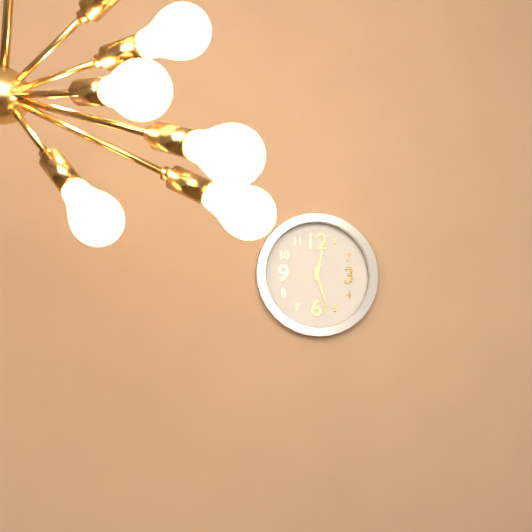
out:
{"hour": 12, "minute": 27}
